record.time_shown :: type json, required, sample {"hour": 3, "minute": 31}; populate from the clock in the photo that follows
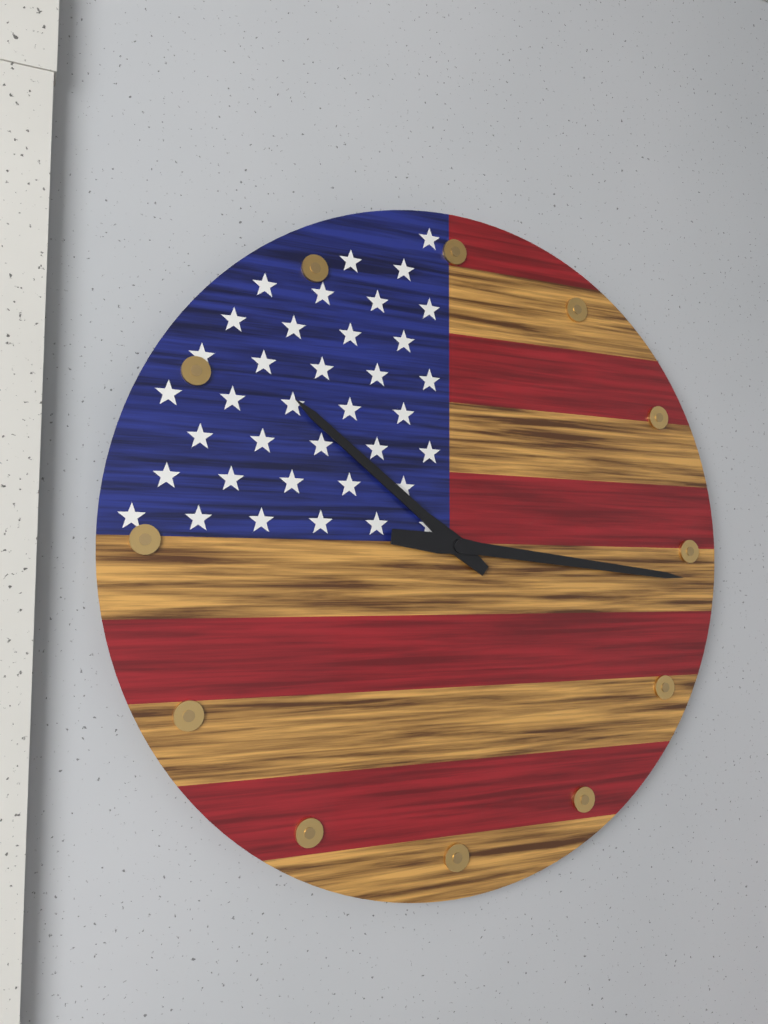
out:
{"hour": 10, "minute": 16}
